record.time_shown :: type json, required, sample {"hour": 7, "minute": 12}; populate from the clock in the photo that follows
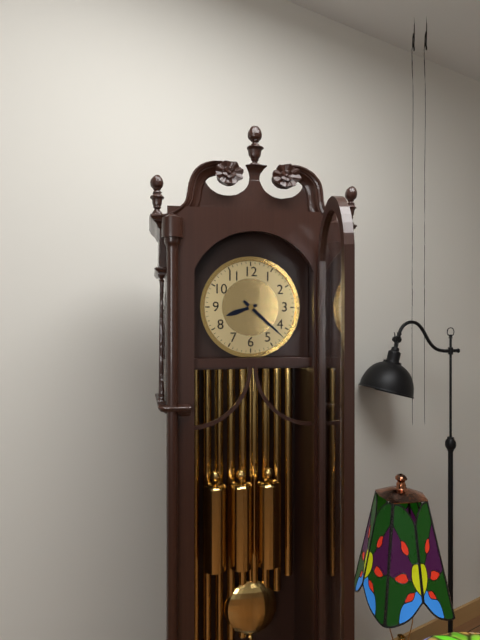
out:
{"hour": 8, "minute": 22}
